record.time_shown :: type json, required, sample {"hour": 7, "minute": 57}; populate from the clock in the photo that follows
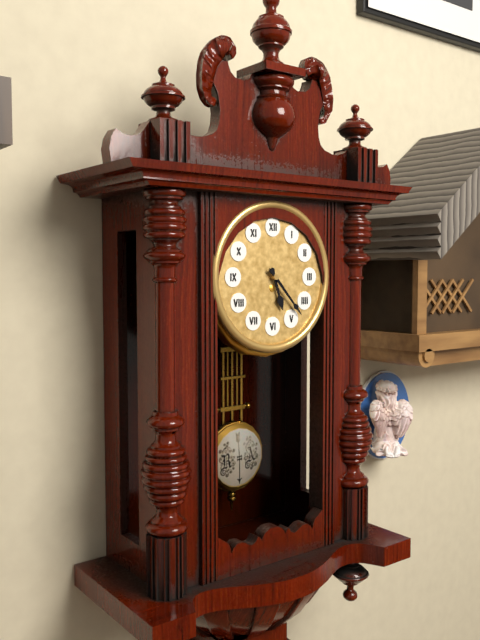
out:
{"hour": 5, "minute": 23}
